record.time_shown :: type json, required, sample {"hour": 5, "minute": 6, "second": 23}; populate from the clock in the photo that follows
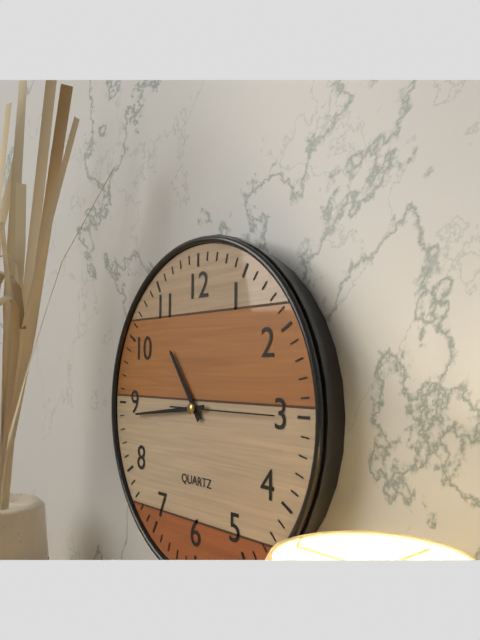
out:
{"hour": 10, "minute": 44, "second": 15}
